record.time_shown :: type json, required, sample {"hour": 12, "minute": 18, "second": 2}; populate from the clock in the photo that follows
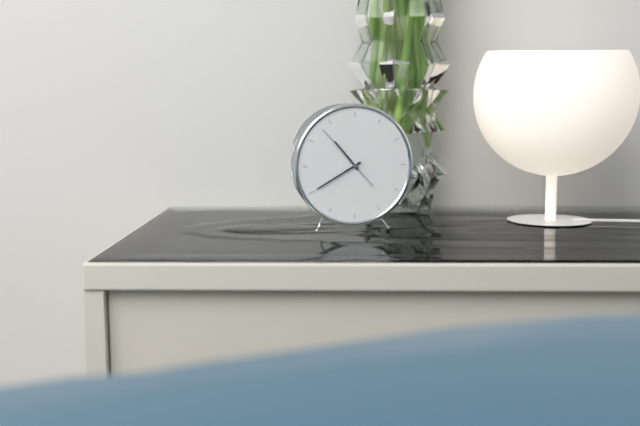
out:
{"hour": 10, "minute": 40, "second": 53}
